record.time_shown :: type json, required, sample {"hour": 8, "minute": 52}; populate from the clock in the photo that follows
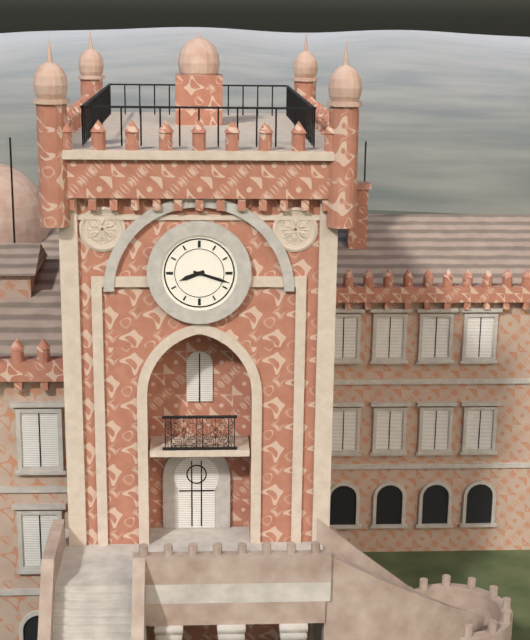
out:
{"hour": 8, "minute": 18}
